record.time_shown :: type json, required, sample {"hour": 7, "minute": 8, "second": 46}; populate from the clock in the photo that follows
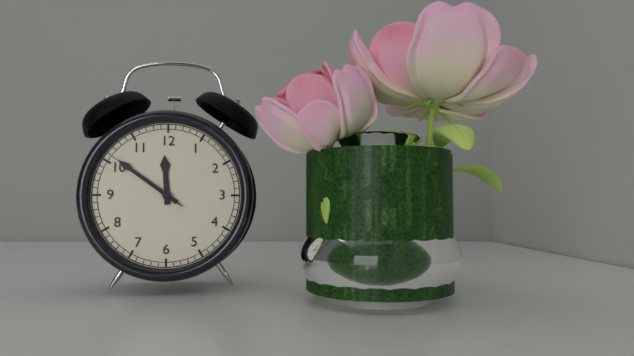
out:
{"hour": 11, "minute": 51, "second": 51}
